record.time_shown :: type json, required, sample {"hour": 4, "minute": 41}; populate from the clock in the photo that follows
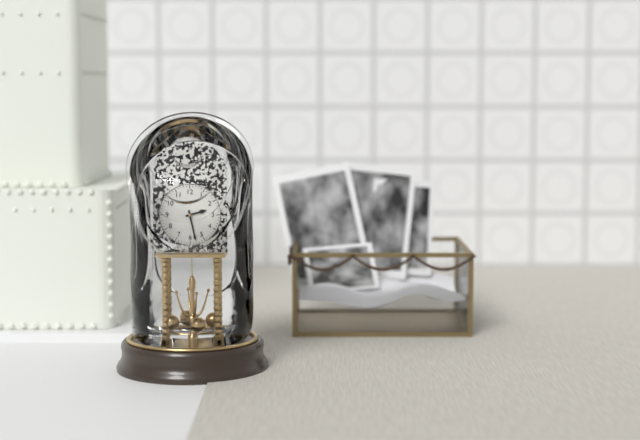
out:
{"hour": 2, "minute": 28}
